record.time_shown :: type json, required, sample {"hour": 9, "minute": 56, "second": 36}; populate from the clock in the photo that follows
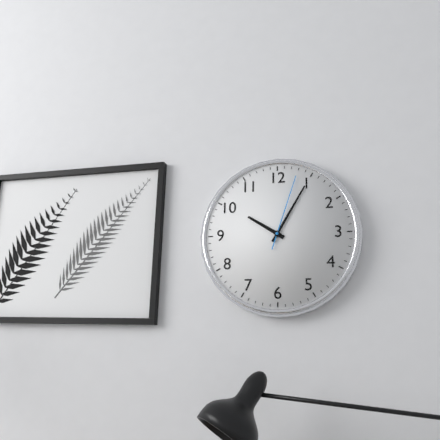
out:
{"hour": 10, "minute": 5, "second": 3}
